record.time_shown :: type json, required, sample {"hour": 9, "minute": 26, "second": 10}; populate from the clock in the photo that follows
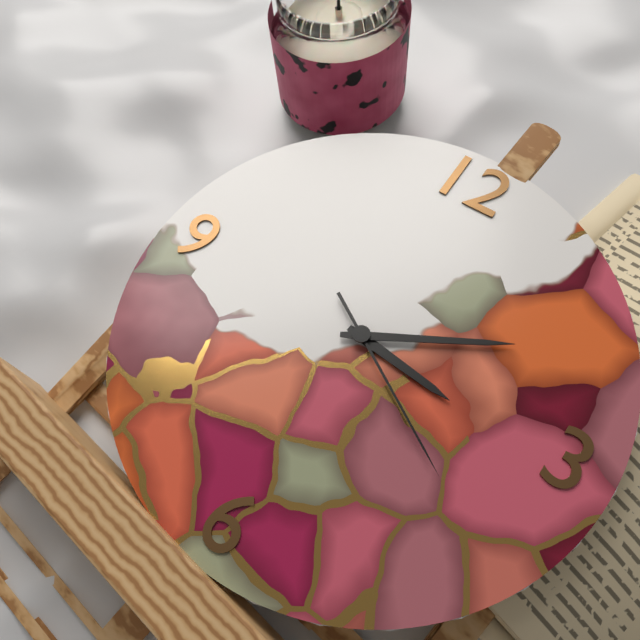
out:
{"hour": 3, "minute": 10, "second": 20}
